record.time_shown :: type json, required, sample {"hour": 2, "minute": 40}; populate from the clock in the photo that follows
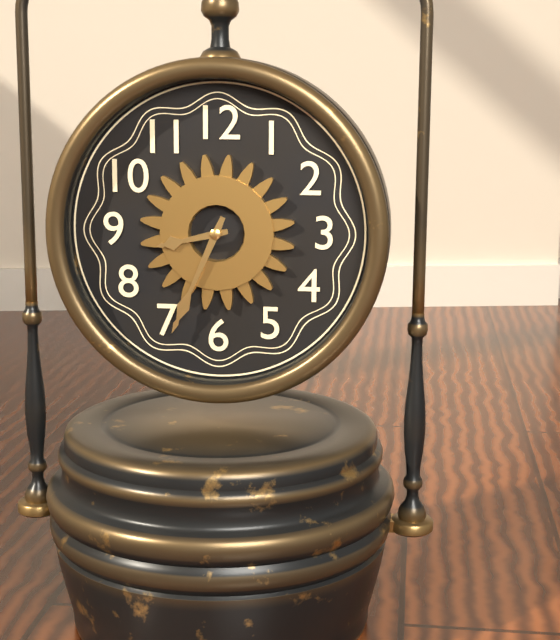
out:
{"hour": 8, "minute": 34}
